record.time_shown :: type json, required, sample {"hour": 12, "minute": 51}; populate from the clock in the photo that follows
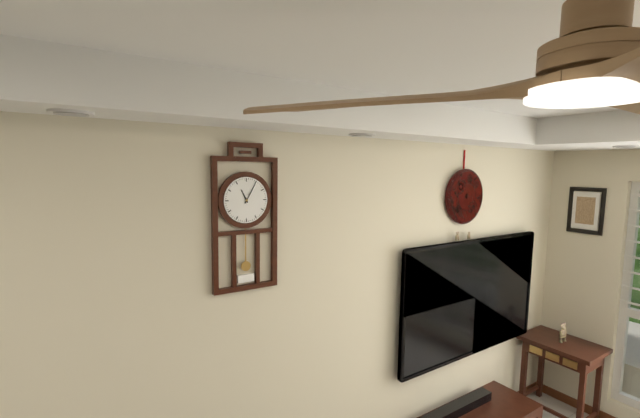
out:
{"hour": 11, "minute": 5}
